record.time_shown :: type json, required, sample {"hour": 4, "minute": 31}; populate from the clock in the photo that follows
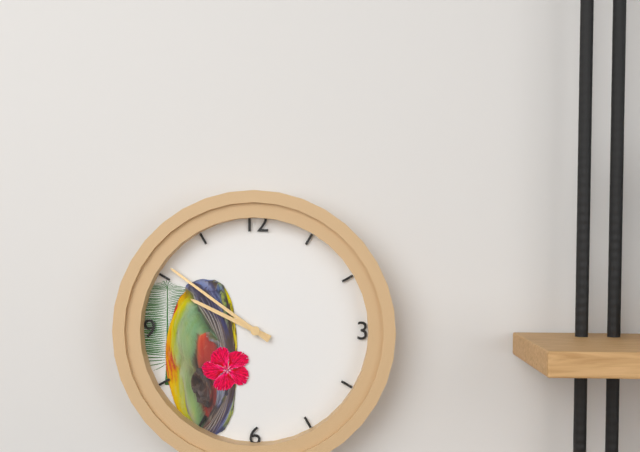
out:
{"hour": 9, "minute": 51}
